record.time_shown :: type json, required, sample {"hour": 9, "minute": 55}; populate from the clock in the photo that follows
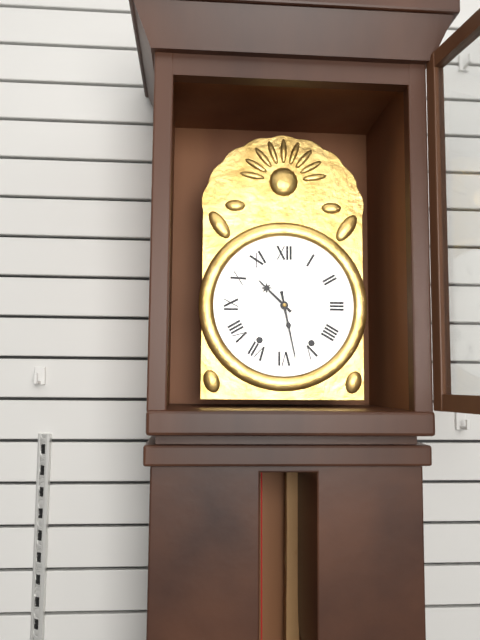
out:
{"hour": 10, "minute": 28}
